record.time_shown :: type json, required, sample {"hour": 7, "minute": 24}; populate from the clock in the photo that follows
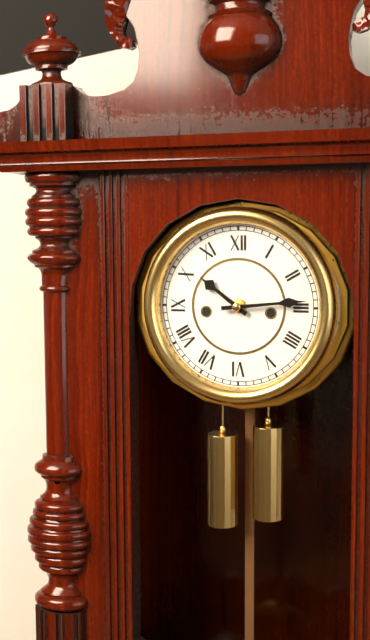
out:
{"hour": 10, "minute": 14}
